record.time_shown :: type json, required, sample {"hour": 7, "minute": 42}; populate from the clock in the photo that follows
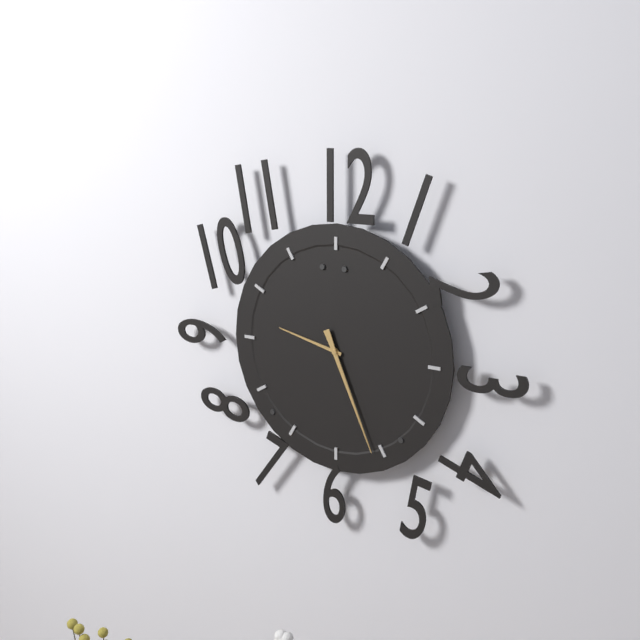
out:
{"hour": 9, "minute": 26}
